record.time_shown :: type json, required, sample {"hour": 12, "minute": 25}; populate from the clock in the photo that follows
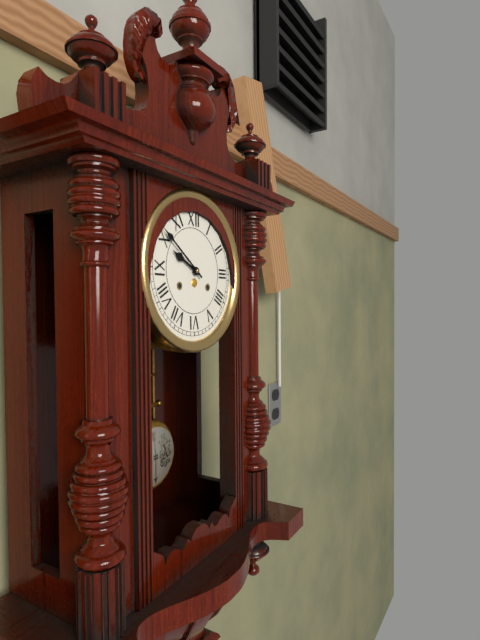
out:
{"hour": 9, "minute": 51}
